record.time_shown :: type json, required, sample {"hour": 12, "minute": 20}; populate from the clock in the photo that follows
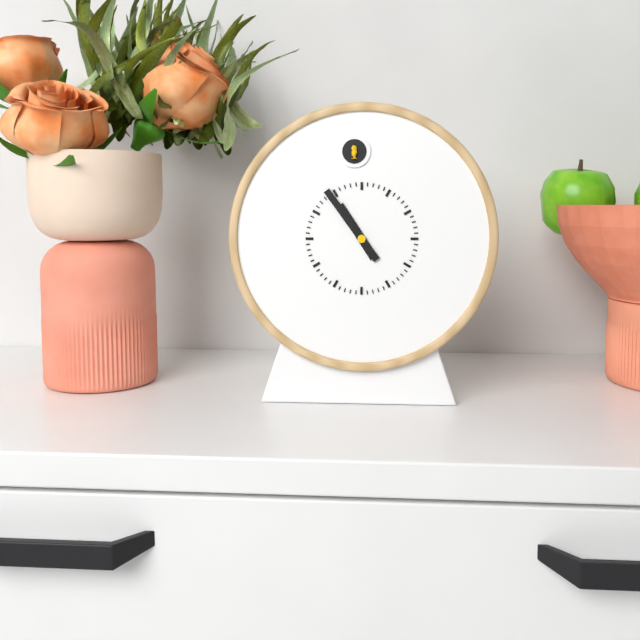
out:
{"hour": 10, "minute": 54}
